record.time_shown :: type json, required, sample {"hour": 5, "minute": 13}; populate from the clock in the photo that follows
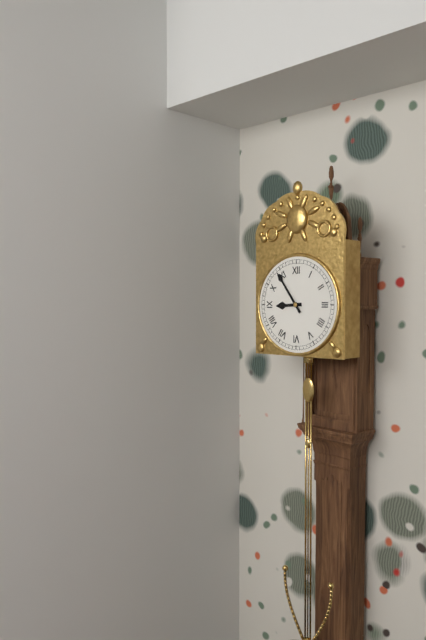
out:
{"hour": 8, "minute": 54}
